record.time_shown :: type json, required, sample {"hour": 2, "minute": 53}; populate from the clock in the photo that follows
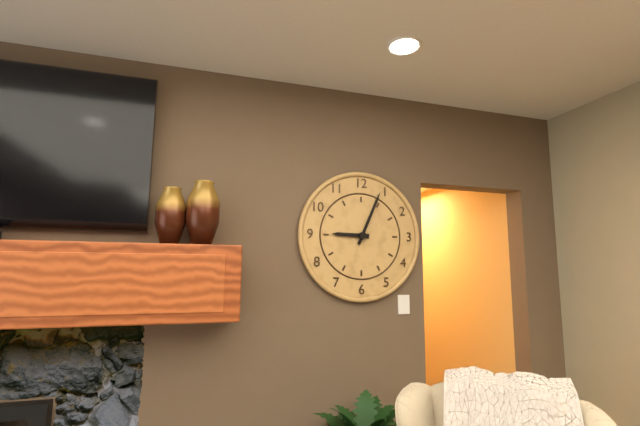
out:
{"hour": 9, "minute": 4}
